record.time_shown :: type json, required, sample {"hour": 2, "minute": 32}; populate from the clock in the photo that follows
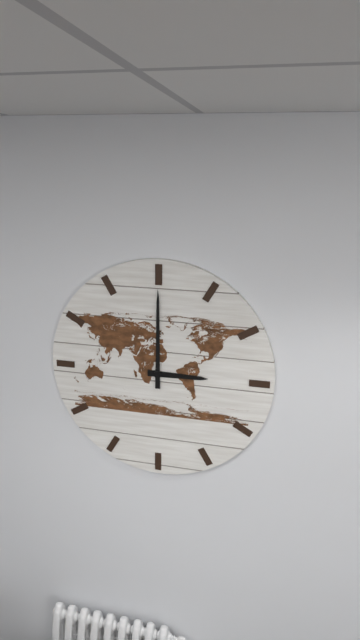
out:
{"hour": 3, "minute": 0}
